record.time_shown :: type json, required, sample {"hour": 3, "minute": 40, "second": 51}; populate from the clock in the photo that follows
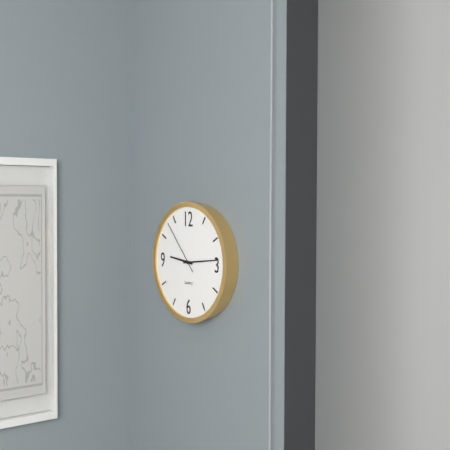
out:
{"hour": 9, "minute": 14, "second": 53}
